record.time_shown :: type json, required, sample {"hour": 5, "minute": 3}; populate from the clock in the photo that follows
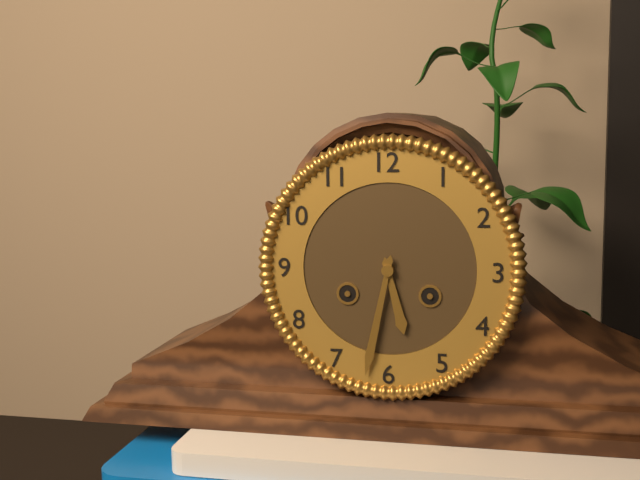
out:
{"hour": 5, "minute": 32}
